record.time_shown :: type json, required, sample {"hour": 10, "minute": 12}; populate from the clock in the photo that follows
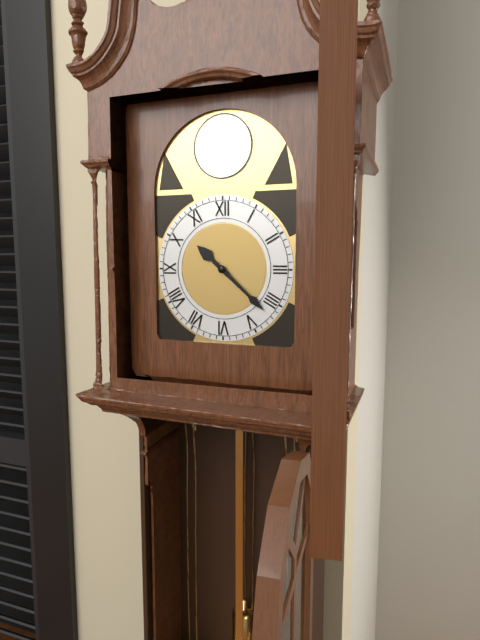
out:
{"hour": 10, "minute": 22}
